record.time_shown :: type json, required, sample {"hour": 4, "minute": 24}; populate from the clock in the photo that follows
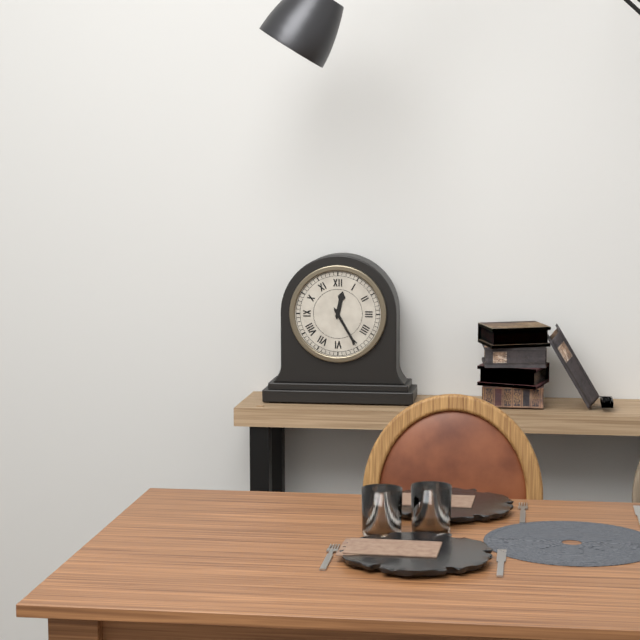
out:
{"hour": 12, "minute": 25}
